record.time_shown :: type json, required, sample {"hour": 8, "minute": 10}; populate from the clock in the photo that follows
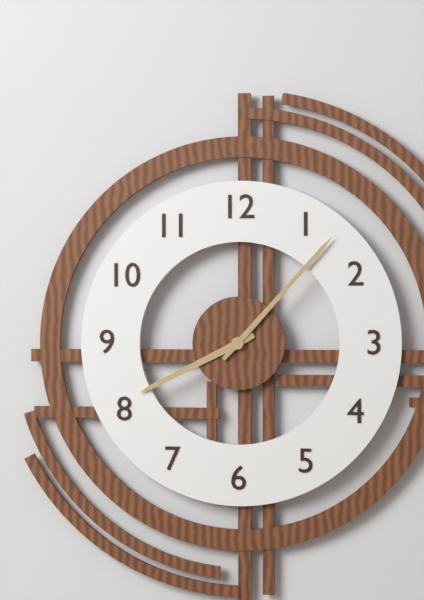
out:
{"hour": 8, "minute": 7}
